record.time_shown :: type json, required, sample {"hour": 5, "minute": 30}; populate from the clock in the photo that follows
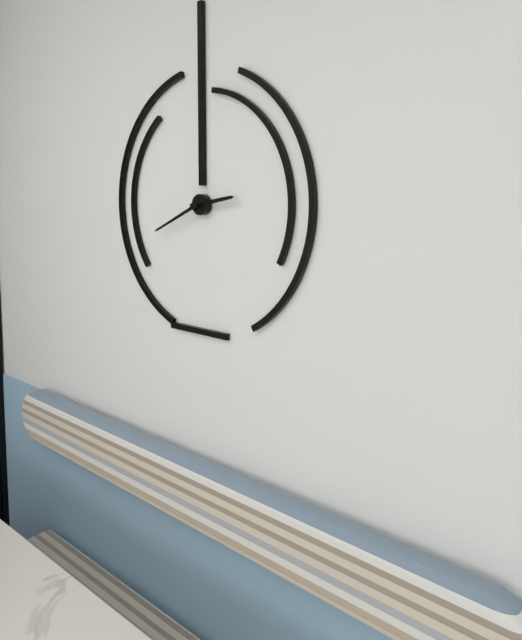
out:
{"hour": 2, "minute": 41}
